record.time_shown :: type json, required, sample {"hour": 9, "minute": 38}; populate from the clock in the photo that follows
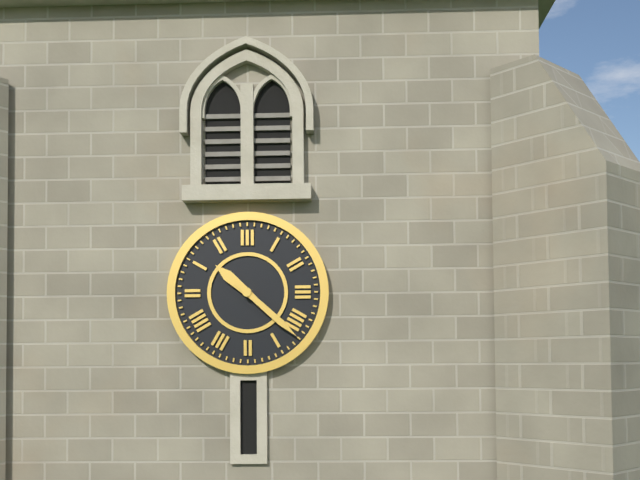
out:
{"hour": 10, "minute": 22}
